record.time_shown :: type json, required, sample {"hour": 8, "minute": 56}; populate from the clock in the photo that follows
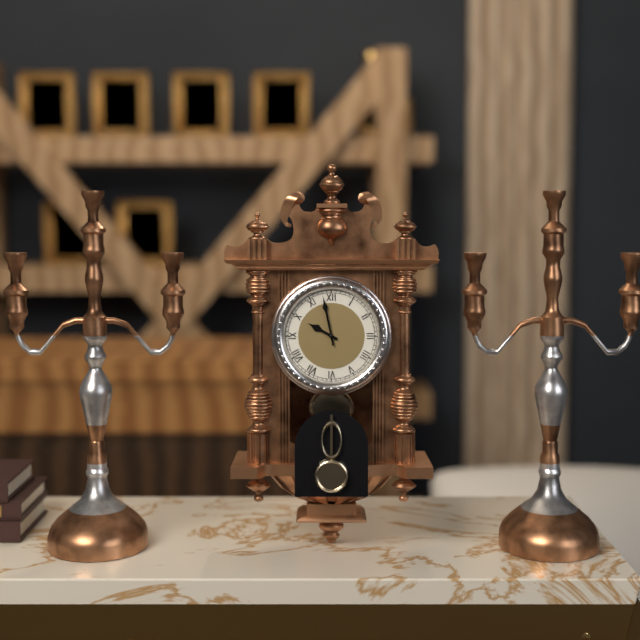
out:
{"hour": 9, "minute": 58}
